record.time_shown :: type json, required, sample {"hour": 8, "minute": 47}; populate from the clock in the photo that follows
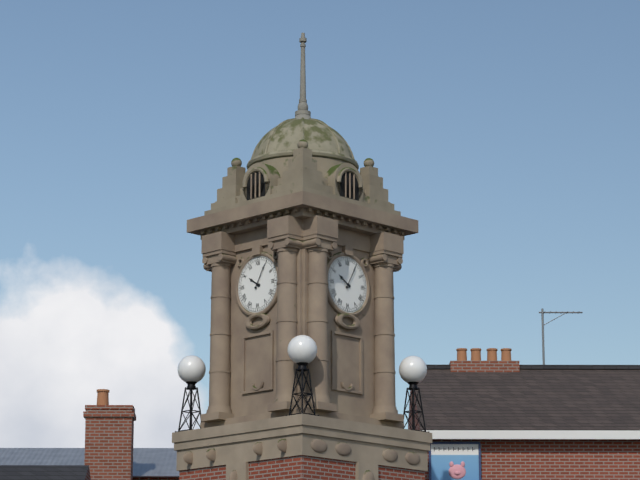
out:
{"hour": 10, "minute": 5}
